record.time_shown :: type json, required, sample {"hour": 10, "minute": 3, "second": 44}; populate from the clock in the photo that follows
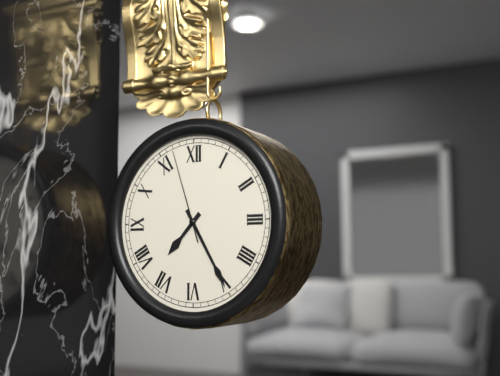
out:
{"hour": 7, "minute": 25, "second": 57}
